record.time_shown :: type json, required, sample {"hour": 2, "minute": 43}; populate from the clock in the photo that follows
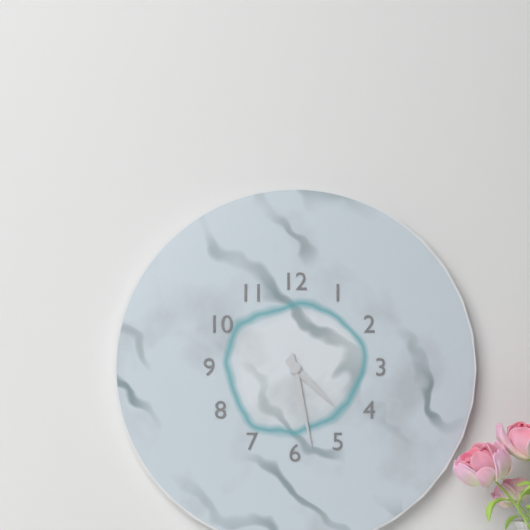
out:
{"hour": 4, "minute": 28}
